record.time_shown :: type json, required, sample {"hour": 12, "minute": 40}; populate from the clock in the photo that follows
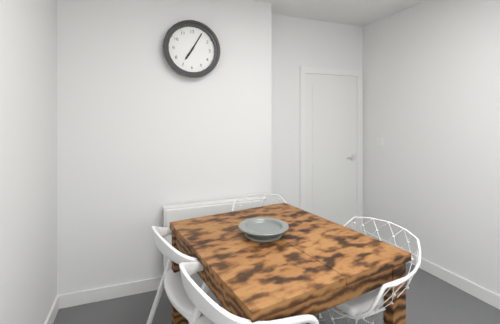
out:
{"hour": 7, "minute": 5}
